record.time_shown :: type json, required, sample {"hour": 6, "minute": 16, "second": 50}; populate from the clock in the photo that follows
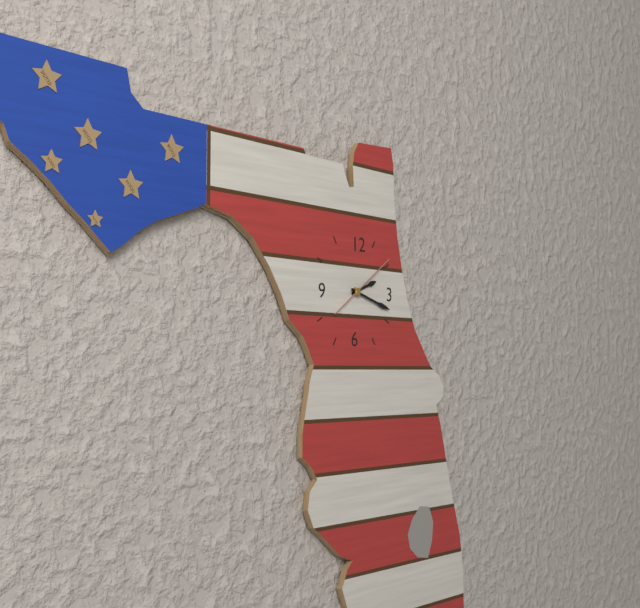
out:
{"hour": 2, "minute": 18, "second": 9}
